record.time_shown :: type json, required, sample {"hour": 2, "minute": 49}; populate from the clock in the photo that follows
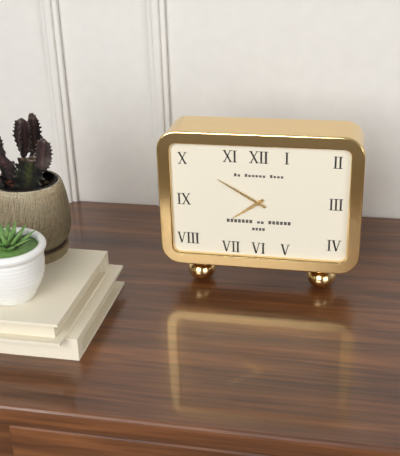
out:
{"hour": 7, "minute": 50}
